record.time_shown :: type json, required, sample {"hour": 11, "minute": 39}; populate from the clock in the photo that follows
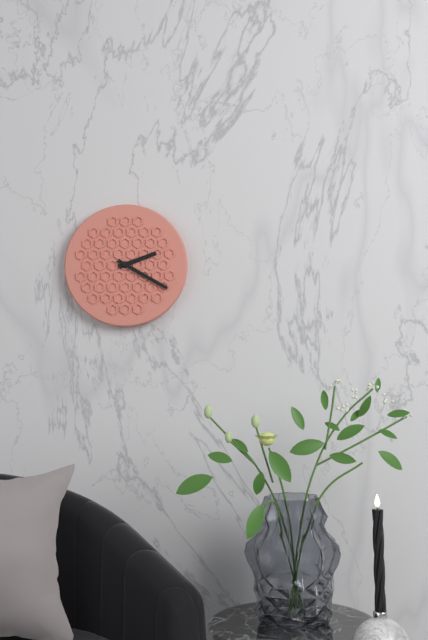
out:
{"hour": 2, "minute": 20}
